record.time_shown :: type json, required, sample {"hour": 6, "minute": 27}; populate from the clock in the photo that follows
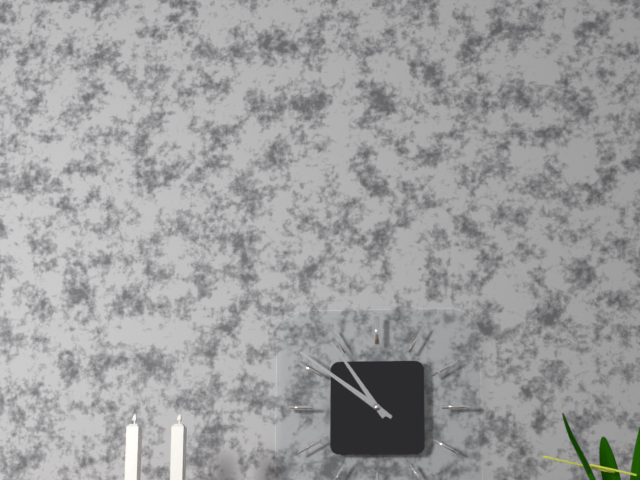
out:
{"hour": 10, "minute": 51}
